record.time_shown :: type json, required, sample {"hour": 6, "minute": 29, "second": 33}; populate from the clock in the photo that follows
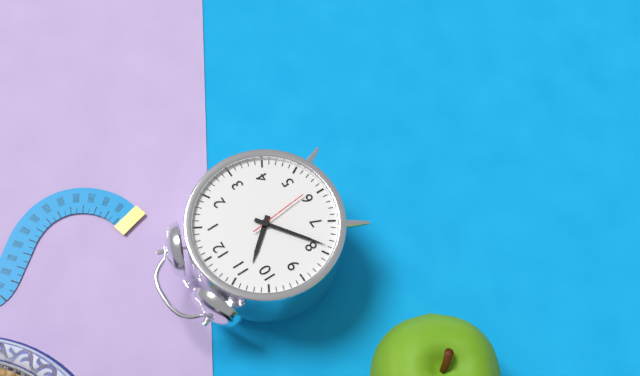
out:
{"hour": 10, "minute": 39, "second": 29}
